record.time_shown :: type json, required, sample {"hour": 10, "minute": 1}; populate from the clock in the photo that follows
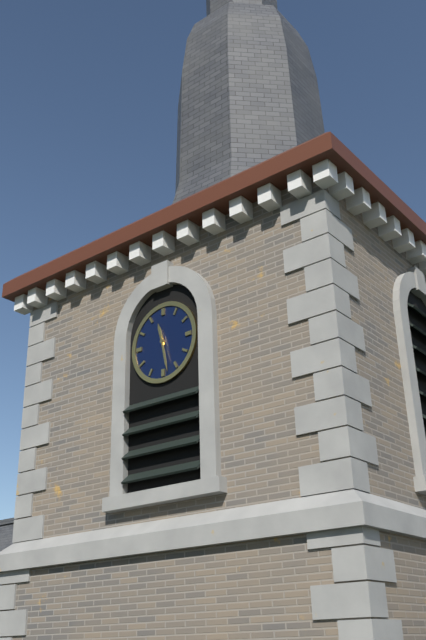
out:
{"hour": 11, "minute": 28}
